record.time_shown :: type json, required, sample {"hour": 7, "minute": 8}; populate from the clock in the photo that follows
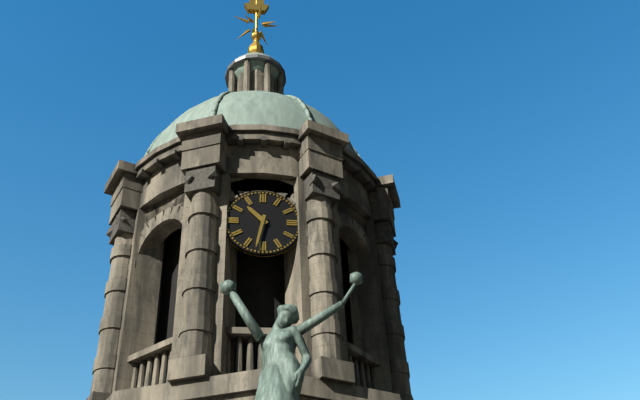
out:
{"hour": 10, "minute": 32}
